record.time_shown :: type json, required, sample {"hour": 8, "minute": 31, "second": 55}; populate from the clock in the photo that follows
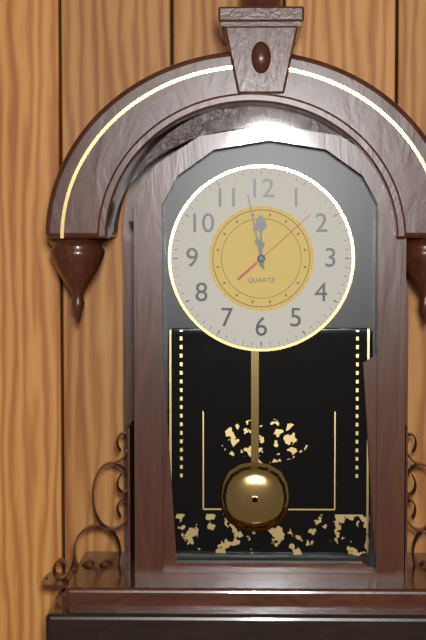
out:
{"hour": 11, "minute": 58, "second": 8}
